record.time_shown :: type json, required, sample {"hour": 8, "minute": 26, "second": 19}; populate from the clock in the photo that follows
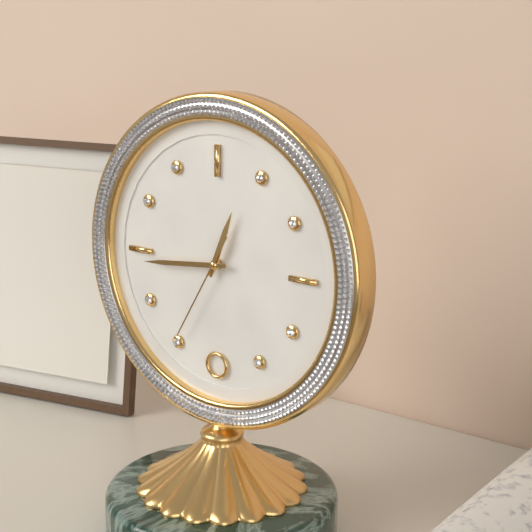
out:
{"hour": 12, "minute": 44, "second": 35}
